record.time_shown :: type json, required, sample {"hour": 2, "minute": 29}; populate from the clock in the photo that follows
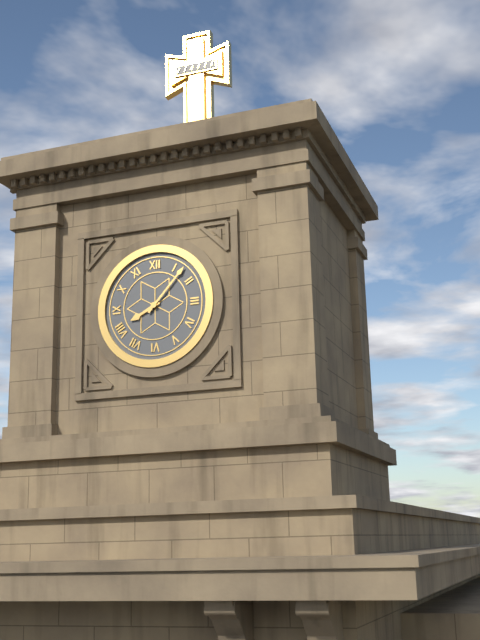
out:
{"hour": 8, "minute": 7}
